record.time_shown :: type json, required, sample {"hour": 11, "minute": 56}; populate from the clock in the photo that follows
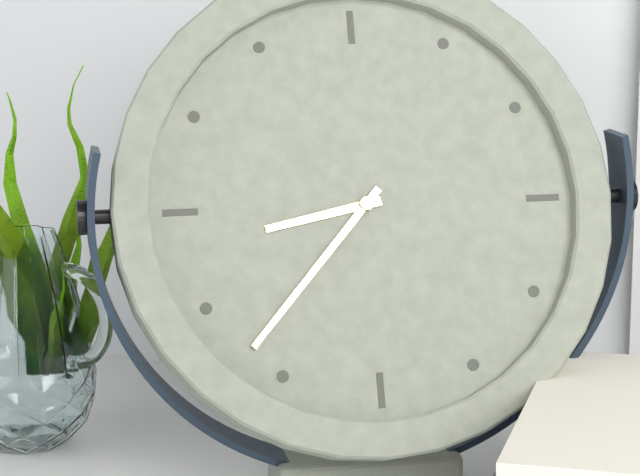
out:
{"hour": 8, "minute": 37}
